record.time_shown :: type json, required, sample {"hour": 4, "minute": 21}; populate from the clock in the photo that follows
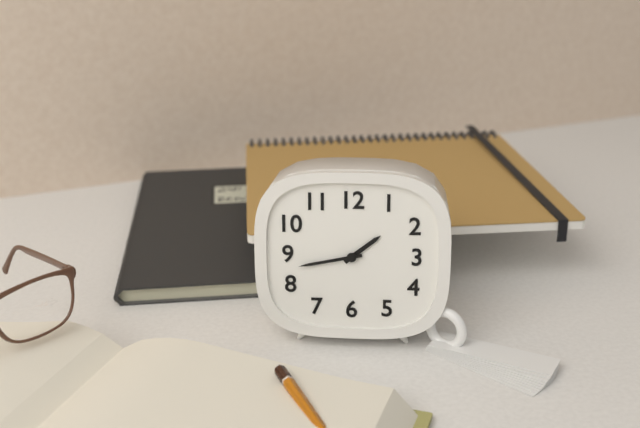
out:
{"hour": 1, "minute": 43}
